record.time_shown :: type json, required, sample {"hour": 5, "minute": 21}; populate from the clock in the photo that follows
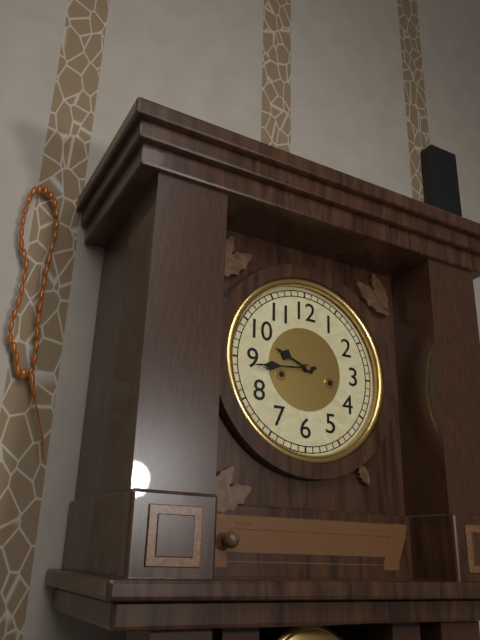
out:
{"hour": 9, "minute": 44}
